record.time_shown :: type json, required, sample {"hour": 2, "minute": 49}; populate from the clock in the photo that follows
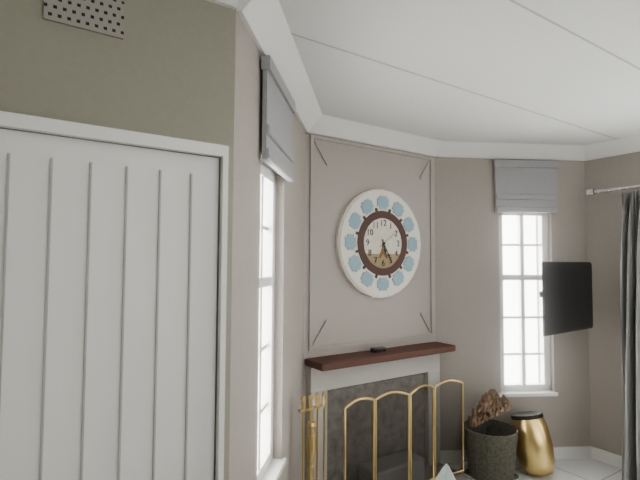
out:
{"hour": 5, "minute": 25}
